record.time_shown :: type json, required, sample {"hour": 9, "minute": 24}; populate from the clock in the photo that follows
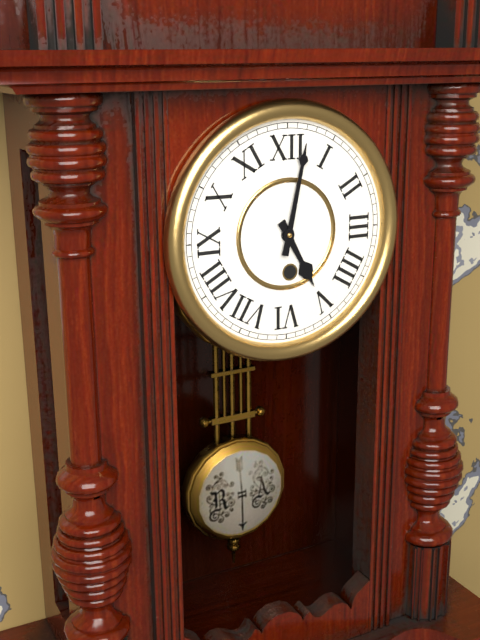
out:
{"hour": 5, "minute": 2}
